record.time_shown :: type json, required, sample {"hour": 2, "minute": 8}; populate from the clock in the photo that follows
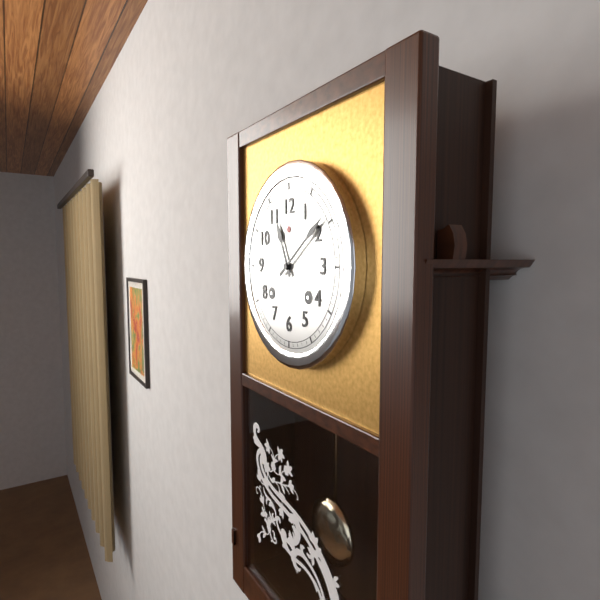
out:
{"hour": 11, "minute": 9}
